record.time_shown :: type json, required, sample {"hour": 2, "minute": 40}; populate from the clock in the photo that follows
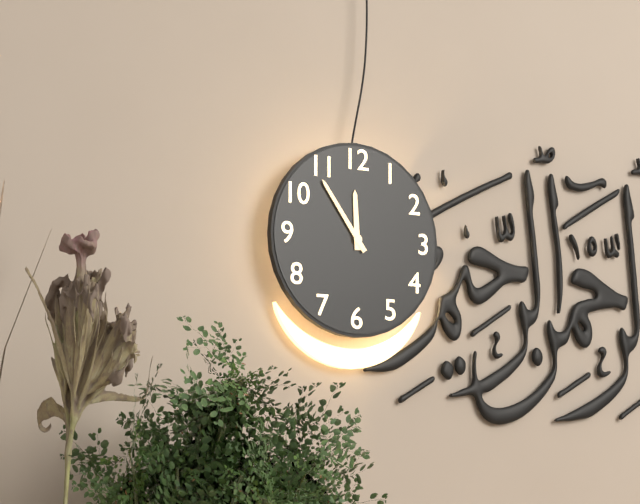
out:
{"hour": 11, "minute": 54}
